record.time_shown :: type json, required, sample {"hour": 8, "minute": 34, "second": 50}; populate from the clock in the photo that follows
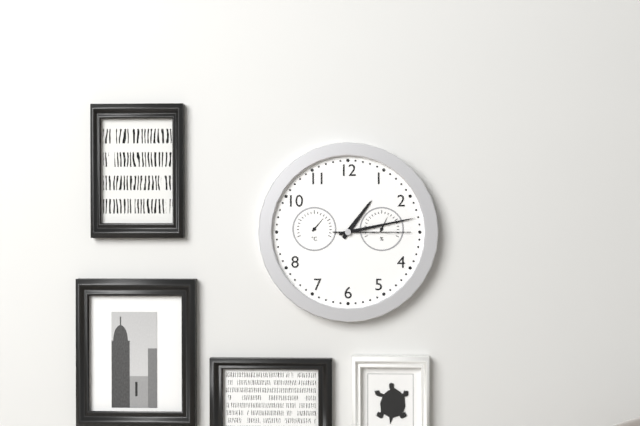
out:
{"hour": 1, "minute": 13, "second": 15}
